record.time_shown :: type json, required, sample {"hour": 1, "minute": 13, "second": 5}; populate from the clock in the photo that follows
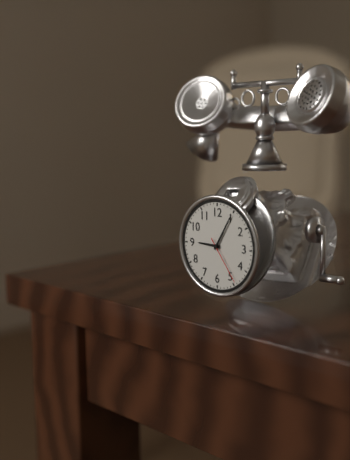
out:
{"hour": 9, "minute": 5, "second": 24}
